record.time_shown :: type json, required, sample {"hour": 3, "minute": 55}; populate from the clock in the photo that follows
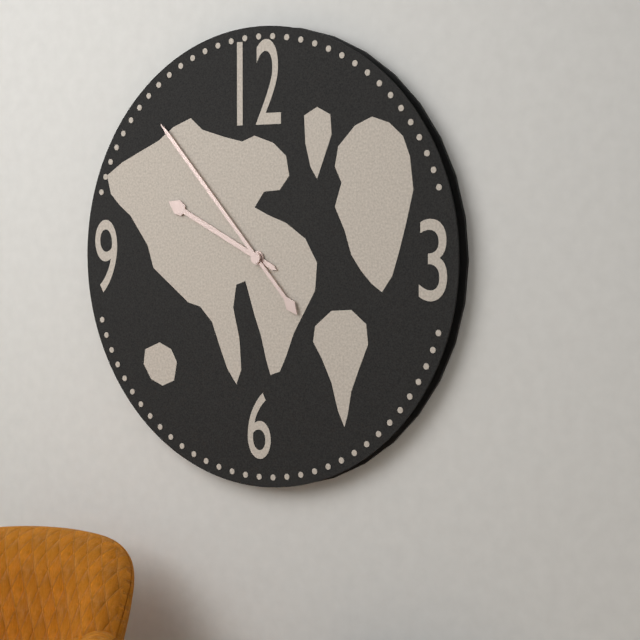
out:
{"hour": 9, "minute": 53}
